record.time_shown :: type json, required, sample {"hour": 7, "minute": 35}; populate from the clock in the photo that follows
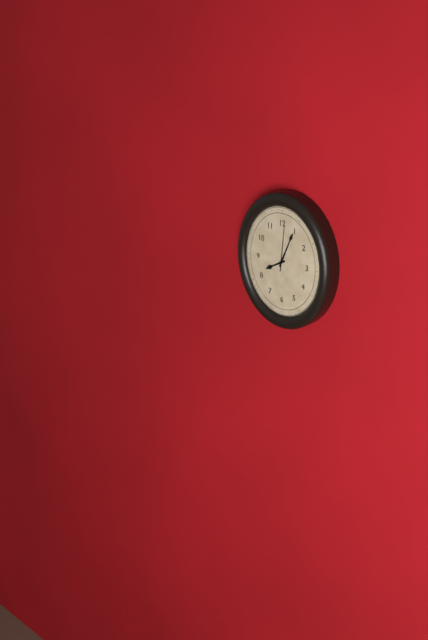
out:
{"hour": 8, "minute": 4}
